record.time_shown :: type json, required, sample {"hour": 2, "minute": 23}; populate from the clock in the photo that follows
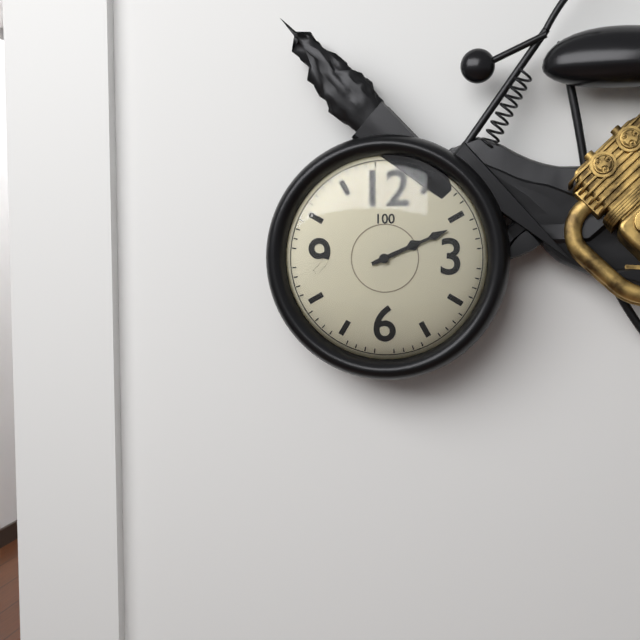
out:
{"hour": 2, "minute": 11}
